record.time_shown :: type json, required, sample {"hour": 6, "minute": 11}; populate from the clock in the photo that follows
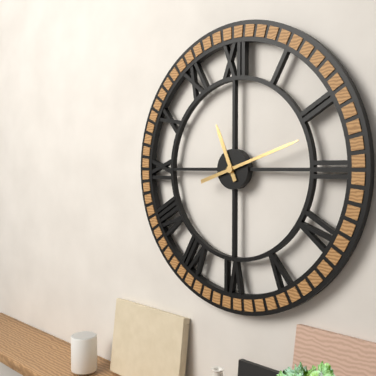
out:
{"hour": 11, "minute": 12}
